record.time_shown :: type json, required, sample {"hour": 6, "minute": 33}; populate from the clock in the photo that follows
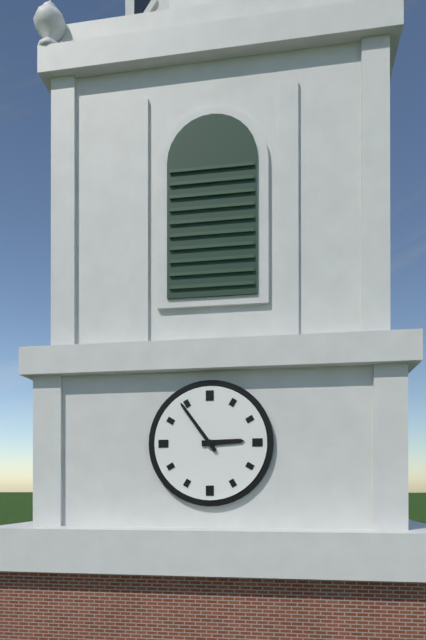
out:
{"hour": 2, "minute": 54}
